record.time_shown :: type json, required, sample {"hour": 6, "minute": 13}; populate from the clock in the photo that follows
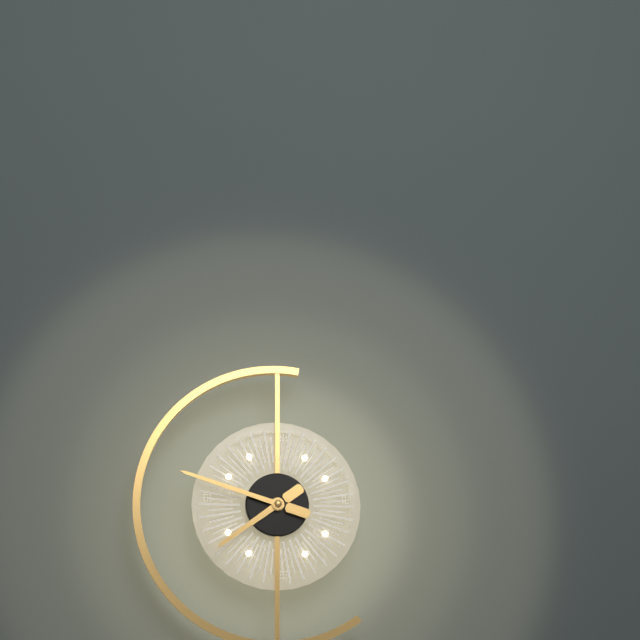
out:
{"hour": 7, "minute": 48}
